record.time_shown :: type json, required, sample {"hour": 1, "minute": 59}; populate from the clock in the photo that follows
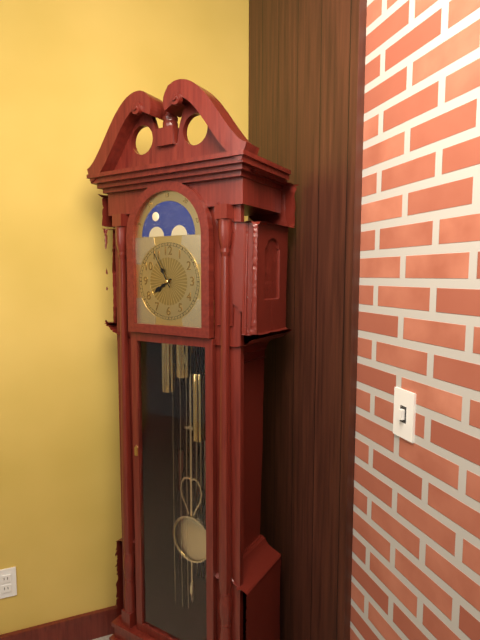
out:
{"hour": 7, "minute": 55}
